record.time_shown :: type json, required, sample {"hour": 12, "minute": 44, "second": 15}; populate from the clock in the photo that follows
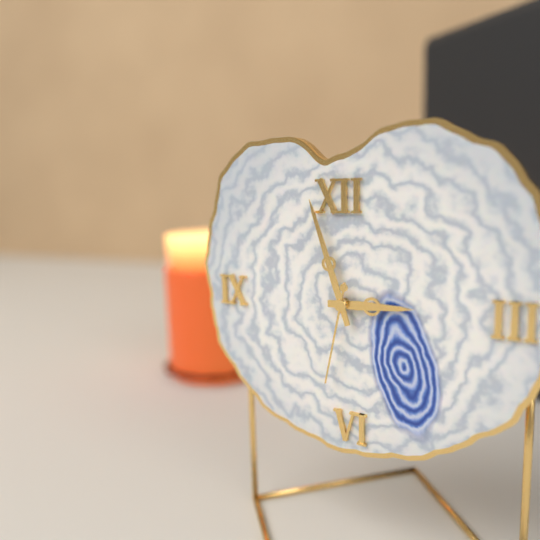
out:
{"hour": 2, "minute": 57, "second": 32}
